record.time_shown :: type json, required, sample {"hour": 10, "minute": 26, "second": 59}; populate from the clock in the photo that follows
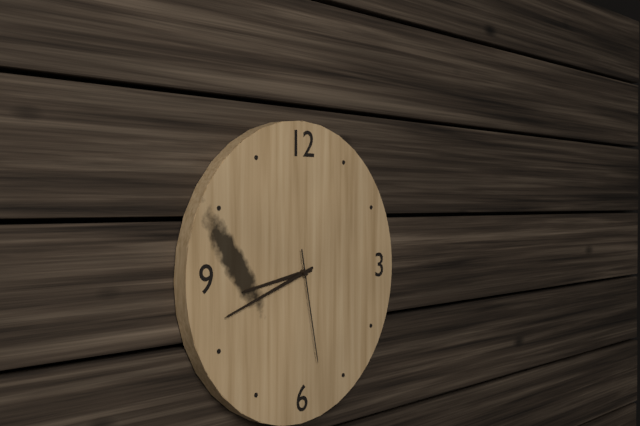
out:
{"hour": 8, "minute": 42, "second": 28}
